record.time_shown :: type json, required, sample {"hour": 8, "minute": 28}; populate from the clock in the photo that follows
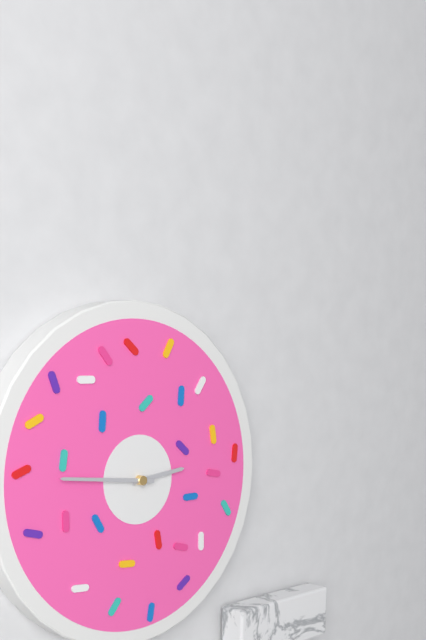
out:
{"hour": 2, "minute": 46}
